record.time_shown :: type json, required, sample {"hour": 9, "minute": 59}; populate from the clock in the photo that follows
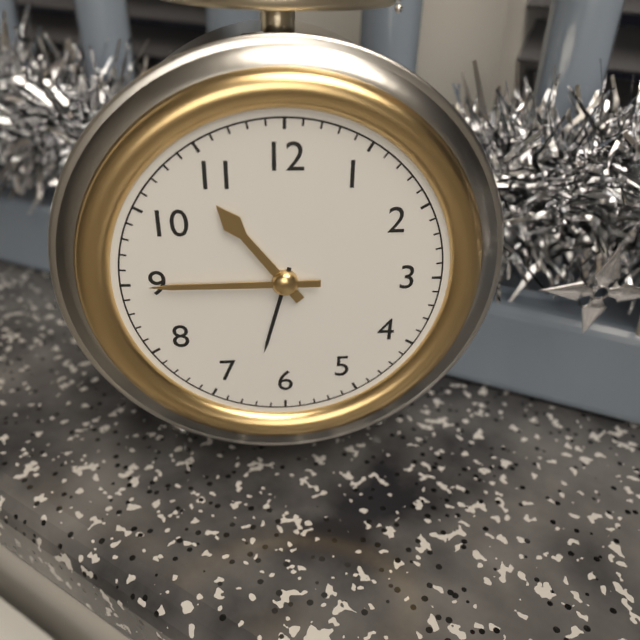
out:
{"hour": 10, "minute": 45}
